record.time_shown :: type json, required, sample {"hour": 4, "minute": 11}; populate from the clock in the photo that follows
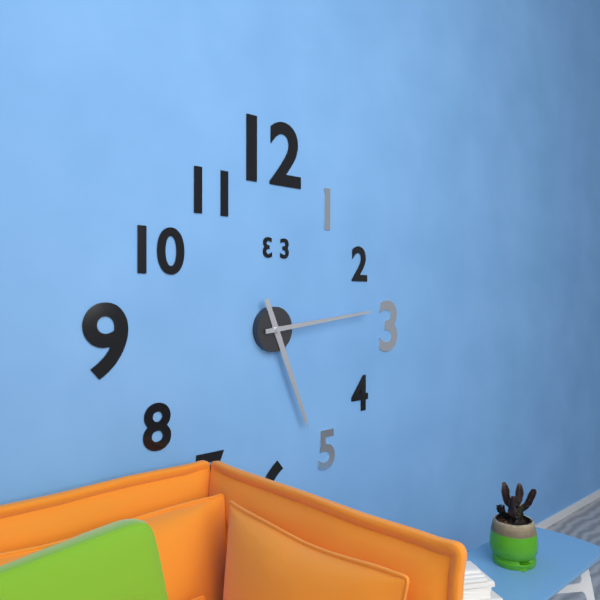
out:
{"hour": 5, "minute": 14}
